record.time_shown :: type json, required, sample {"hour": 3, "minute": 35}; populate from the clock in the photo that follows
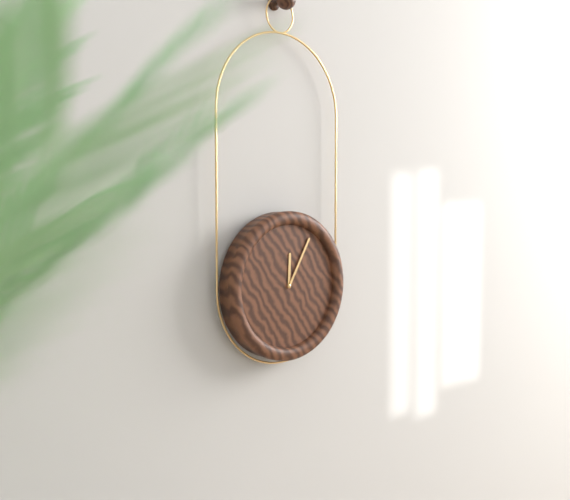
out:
{"hour": 12, "minute": 5}
